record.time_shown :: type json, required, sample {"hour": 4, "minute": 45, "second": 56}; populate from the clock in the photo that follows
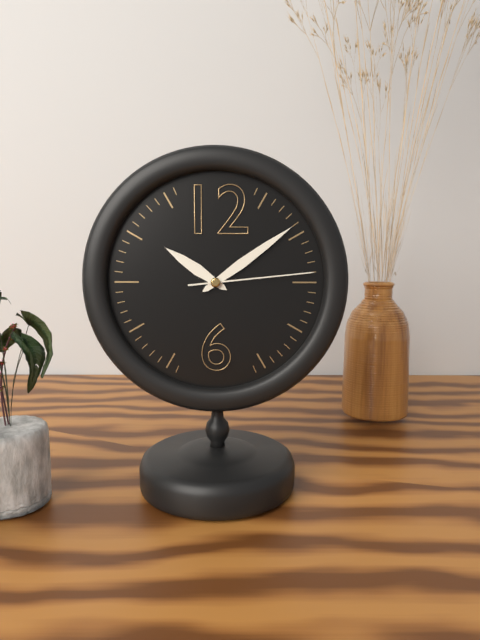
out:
{"hour": 10, "minute": 9, "second": 14}
